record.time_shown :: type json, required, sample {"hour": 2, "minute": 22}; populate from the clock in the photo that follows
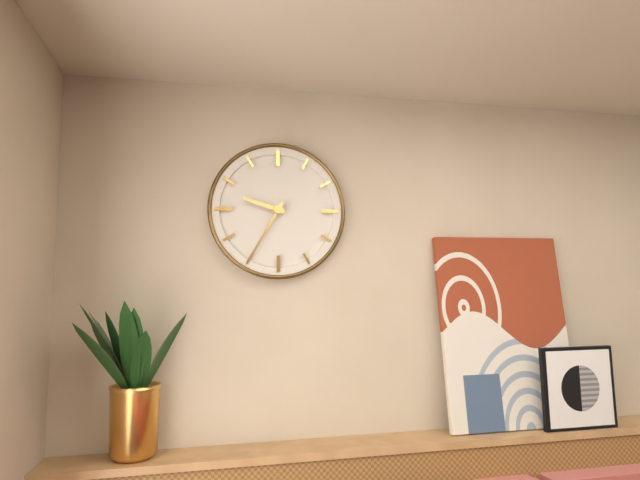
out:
{"hour": 9, "minute": 35}
